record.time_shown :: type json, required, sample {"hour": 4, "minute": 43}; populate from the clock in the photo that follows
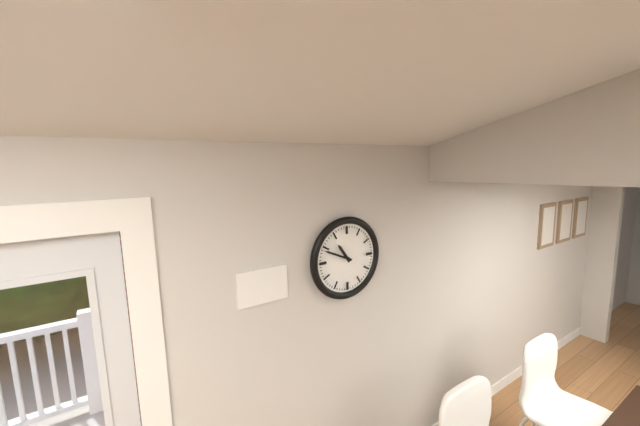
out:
{"hour": 10, "minute": 49}
